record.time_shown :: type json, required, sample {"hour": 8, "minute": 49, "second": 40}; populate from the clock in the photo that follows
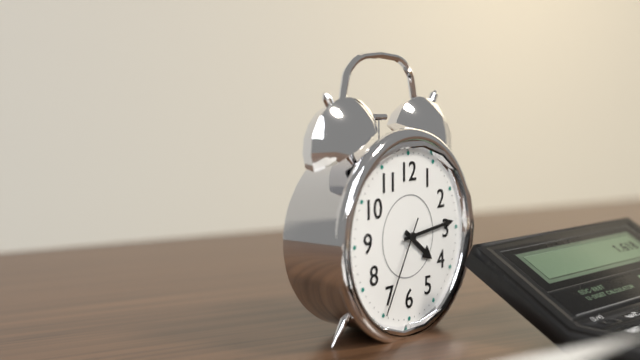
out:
{"hour": 4, "minute": 14, "second": 35}
